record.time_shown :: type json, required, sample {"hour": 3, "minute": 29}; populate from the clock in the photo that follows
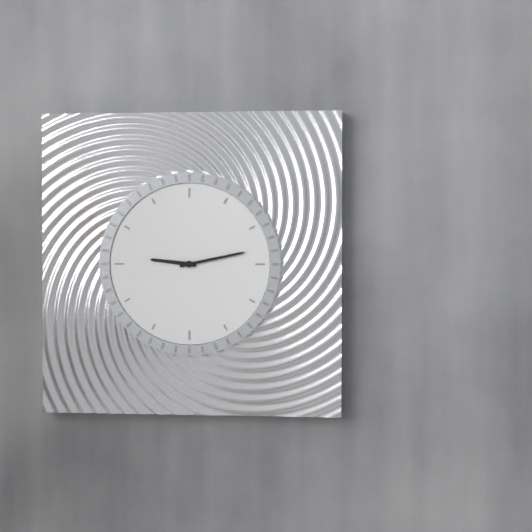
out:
{"hour": 9, "minute": 13}
